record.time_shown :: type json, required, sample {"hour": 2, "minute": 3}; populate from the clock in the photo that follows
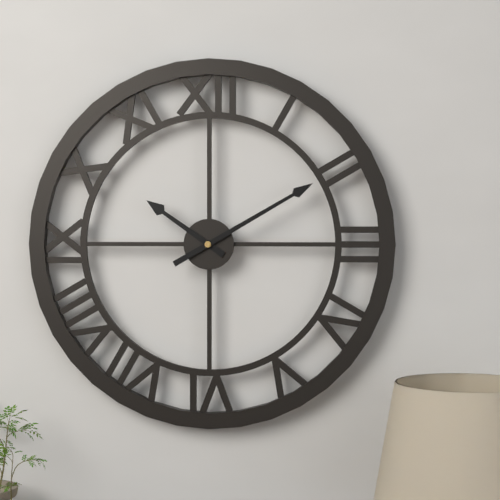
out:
{"hour": 10, "minute": 10}
